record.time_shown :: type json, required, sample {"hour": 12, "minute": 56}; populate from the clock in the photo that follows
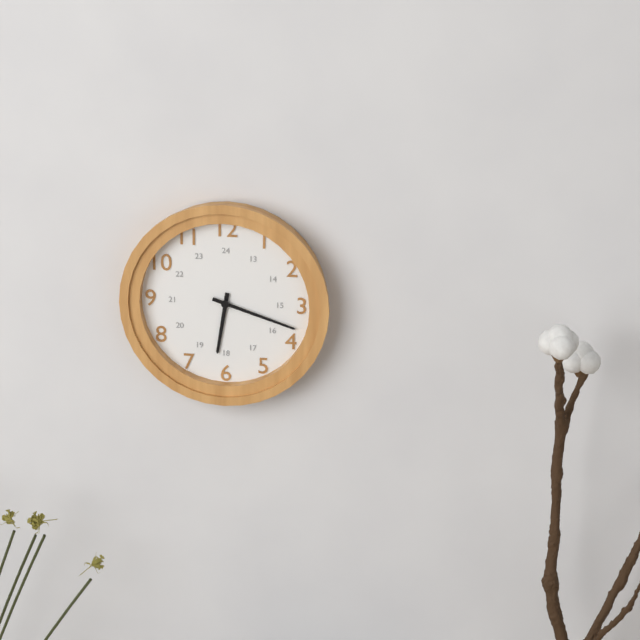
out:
{"hour": 6, "minute": 18}
